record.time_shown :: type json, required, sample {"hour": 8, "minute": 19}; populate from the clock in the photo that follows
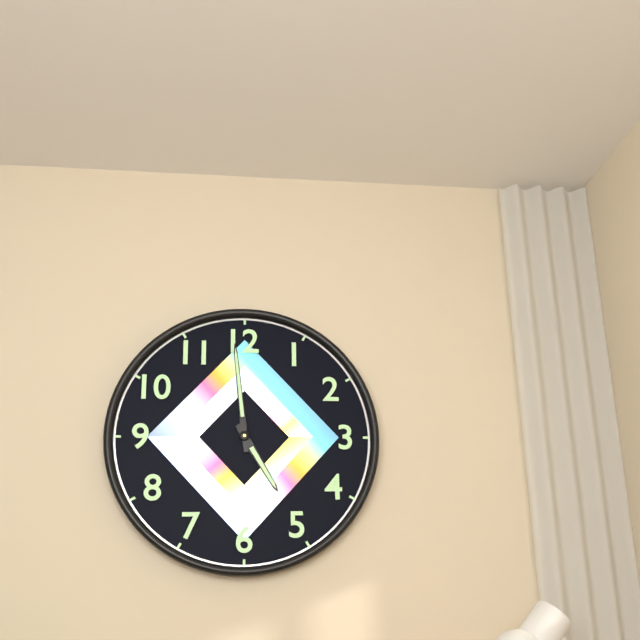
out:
{"hour": 4, "minute": 59}
